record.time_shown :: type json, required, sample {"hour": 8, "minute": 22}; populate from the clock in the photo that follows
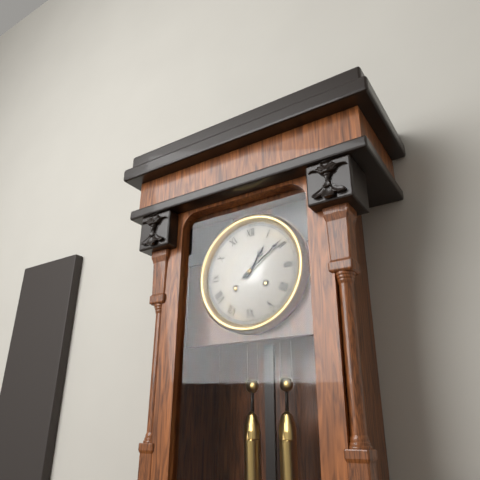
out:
{"hour": 1, "minute": 9}
